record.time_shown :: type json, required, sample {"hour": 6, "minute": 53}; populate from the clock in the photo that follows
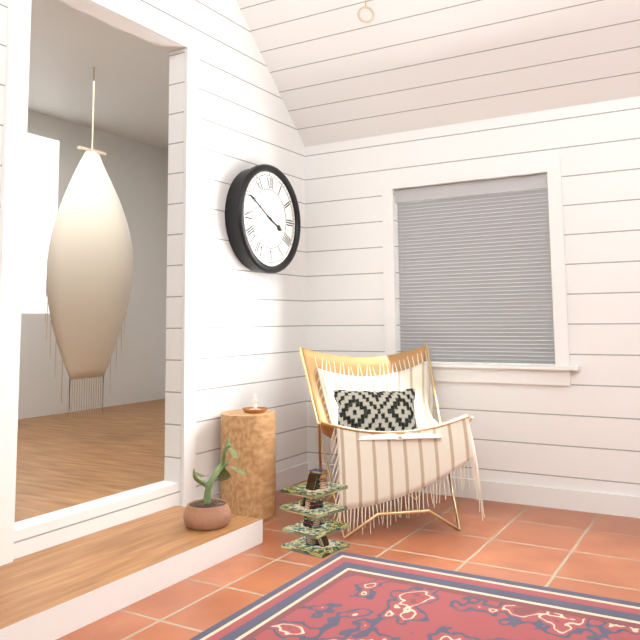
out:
{"hour": 3, "minute": 50}
